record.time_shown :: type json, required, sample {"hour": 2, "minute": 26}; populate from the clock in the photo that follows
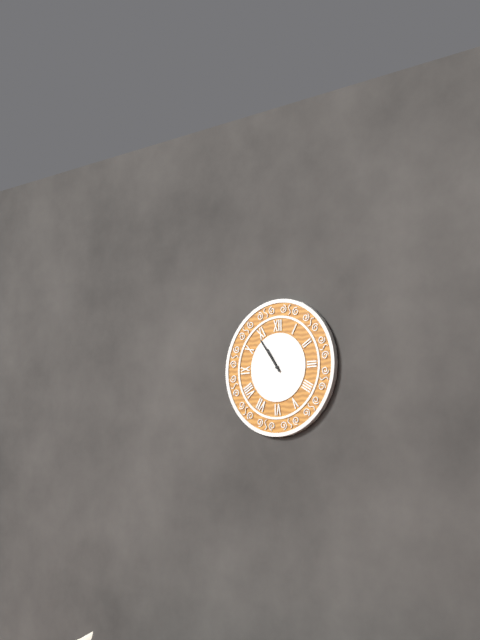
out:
{"hour": 10, "minute": 54}
